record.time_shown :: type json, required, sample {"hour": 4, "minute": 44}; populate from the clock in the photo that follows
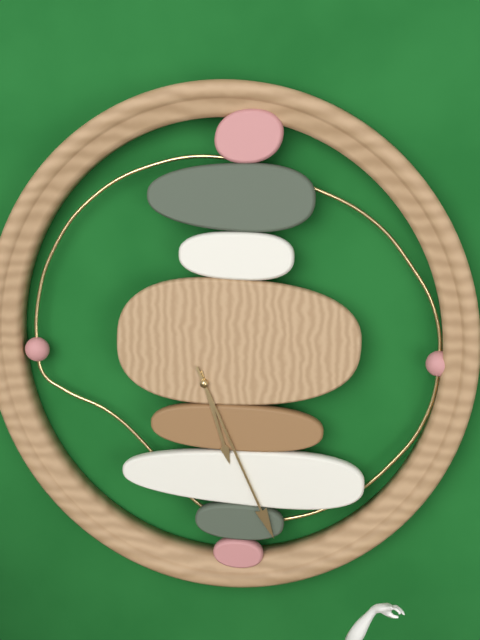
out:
{"hour": 5, "minute": 26}
